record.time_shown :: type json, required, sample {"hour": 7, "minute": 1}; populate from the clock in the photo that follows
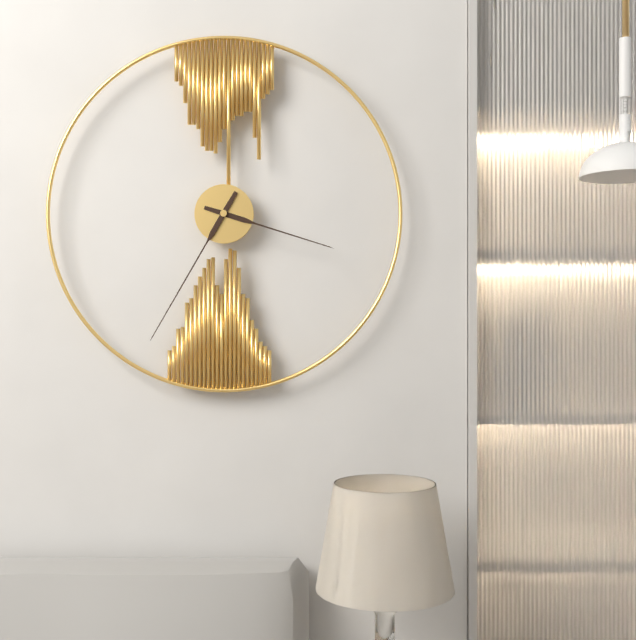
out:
{"hour": 3, "minute": 35}
